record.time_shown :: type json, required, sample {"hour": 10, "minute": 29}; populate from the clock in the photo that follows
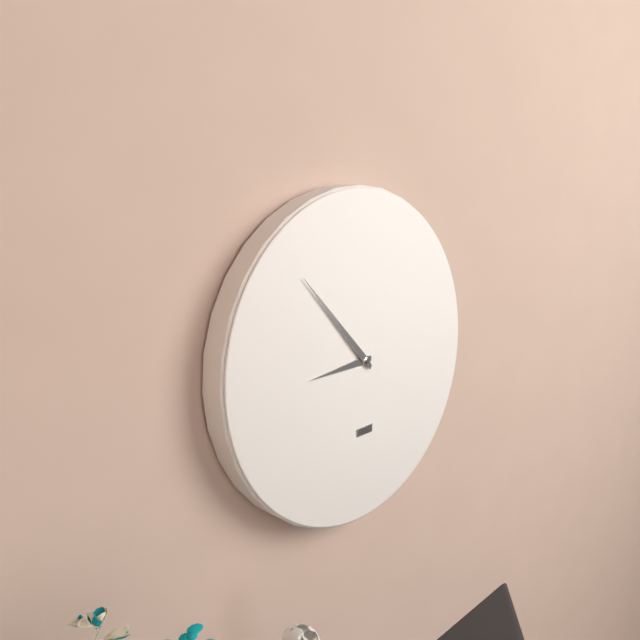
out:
{"hour": 8, "minute": 53}
